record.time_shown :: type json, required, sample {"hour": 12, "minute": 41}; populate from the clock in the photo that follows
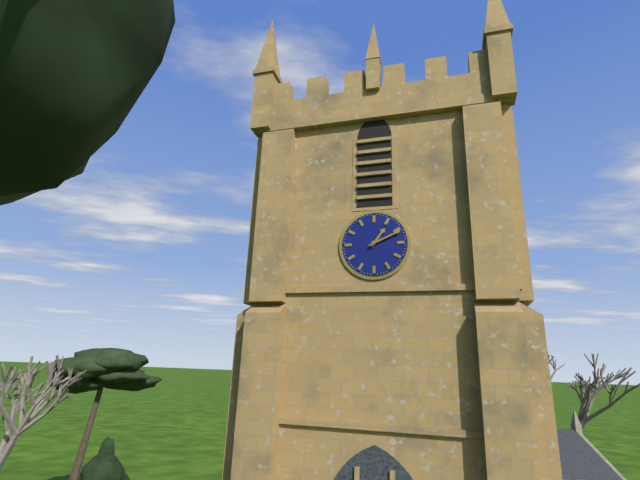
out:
{"hour": 1, "minute": 11}
